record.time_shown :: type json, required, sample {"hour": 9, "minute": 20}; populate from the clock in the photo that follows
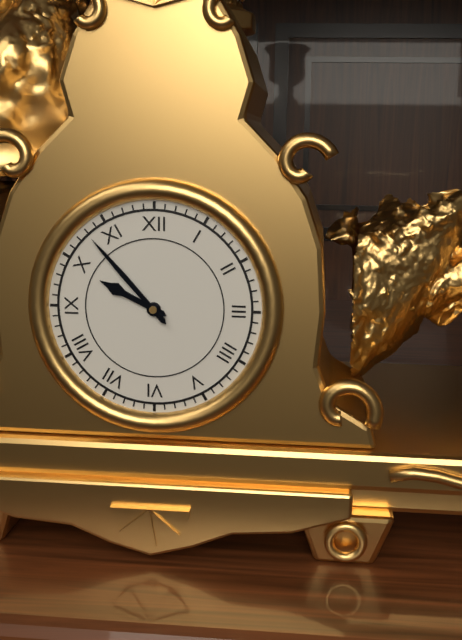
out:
{"hour": 9, "minute": 53}
